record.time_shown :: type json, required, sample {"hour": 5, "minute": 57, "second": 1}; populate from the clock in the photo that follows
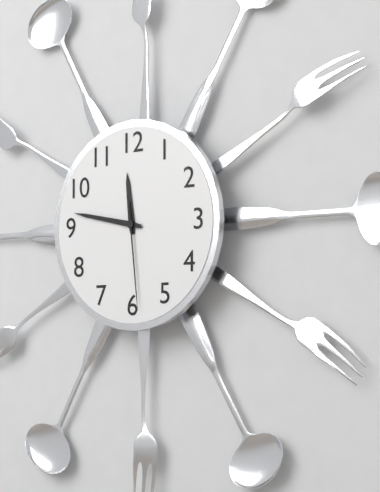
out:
{"hour": 11, "minute": 47, "second": 29}
